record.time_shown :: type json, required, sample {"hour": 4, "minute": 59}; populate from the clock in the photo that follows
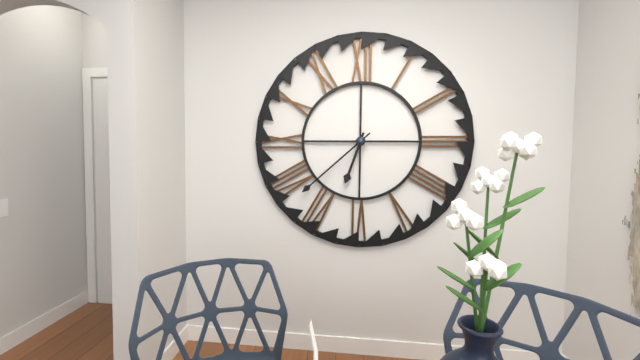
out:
{"hour": 6, "minute": 38}
